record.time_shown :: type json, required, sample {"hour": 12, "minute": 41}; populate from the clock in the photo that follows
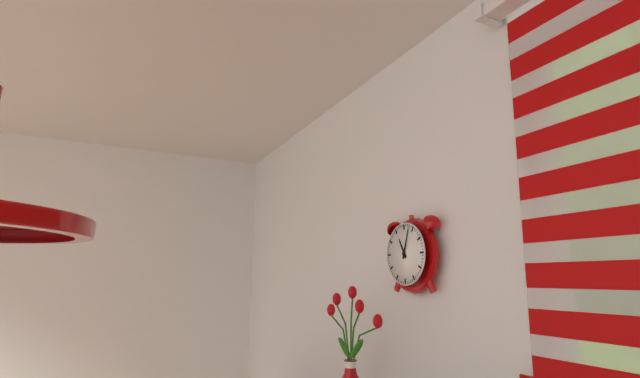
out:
{"hour": 11, "minute": 3}
